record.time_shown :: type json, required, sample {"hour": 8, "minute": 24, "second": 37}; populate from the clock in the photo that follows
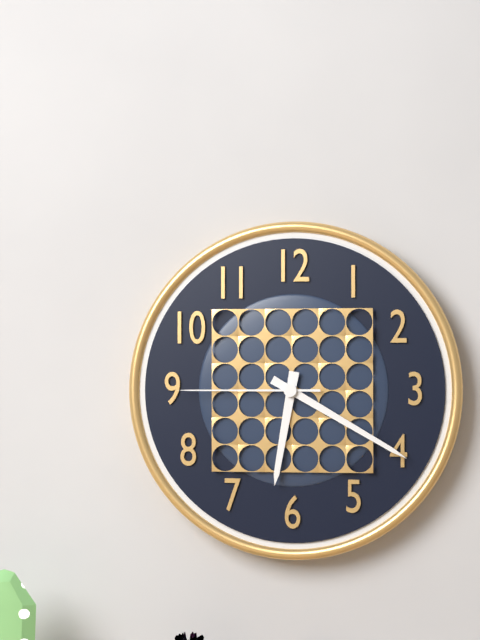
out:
{"hour": 6, "minute": 20, "second": 45}
